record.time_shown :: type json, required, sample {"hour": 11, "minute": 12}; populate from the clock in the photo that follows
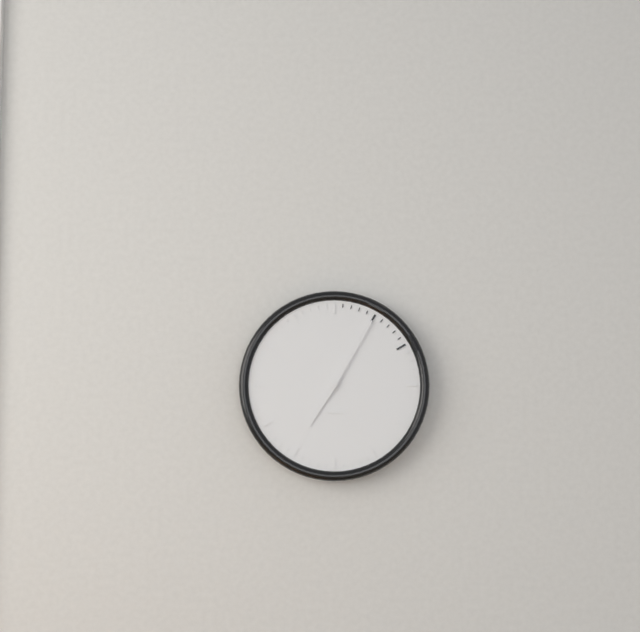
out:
{"hour": 7, "minute": 5}
